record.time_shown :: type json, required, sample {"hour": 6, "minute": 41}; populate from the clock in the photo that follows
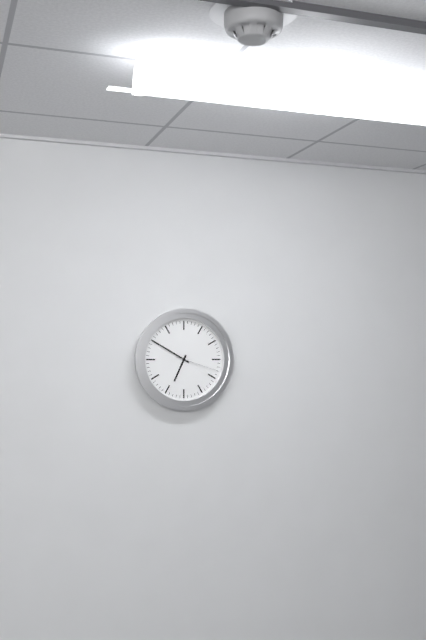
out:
{"hour": 6, "minute": 50}
